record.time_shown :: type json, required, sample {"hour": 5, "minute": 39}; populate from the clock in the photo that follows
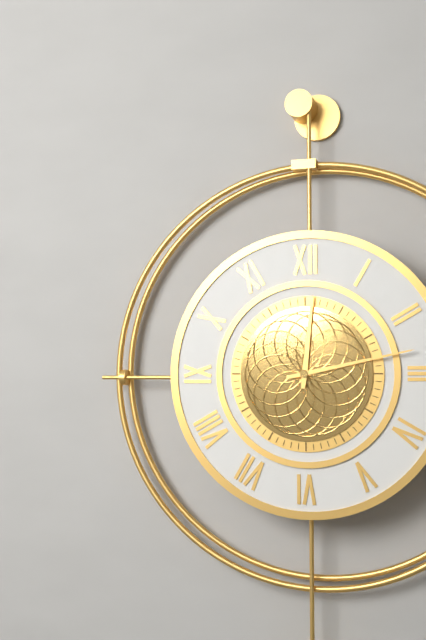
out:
{"hour": 12, "minute": 13}
